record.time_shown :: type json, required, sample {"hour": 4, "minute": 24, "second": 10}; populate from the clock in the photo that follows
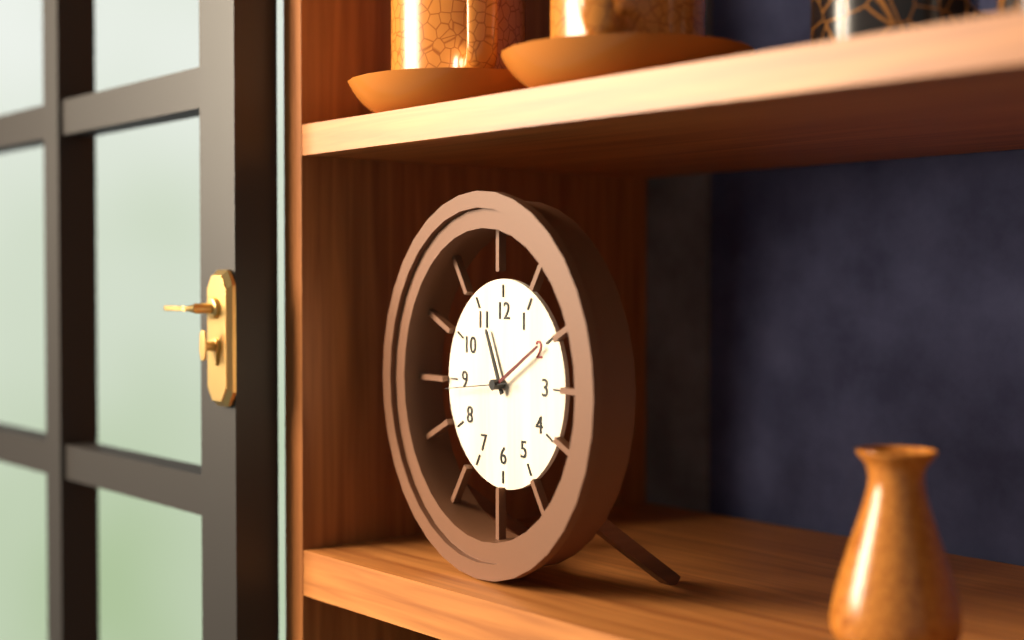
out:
{"hour": 11, "minute": 10, "second": 44}
